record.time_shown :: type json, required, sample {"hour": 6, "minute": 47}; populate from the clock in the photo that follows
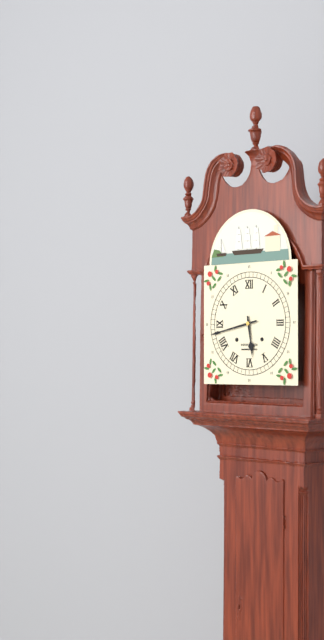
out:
{"hour": 5, "minute": 43}
